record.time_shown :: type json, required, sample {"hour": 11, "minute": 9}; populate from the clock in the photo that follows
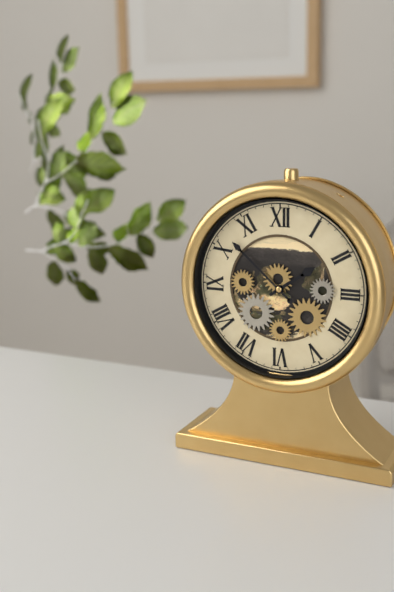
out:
{"hour": 1, "minute": 52}
